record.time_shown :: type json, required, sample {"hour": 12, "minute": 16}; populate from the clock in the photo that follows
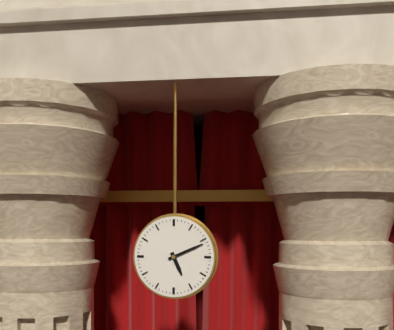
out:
{"hour": 5, "minute": 11}
